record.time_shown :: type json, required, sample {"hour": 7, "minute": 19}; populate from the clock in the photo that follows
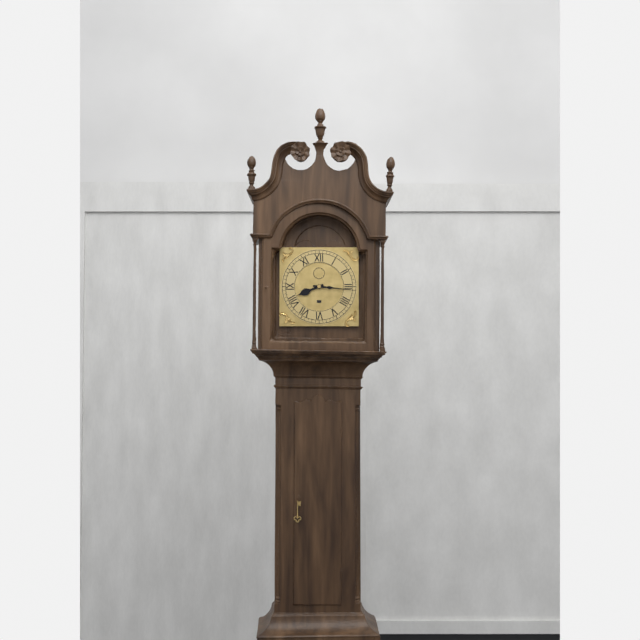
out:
{"hour": 8, "minute": 16}
